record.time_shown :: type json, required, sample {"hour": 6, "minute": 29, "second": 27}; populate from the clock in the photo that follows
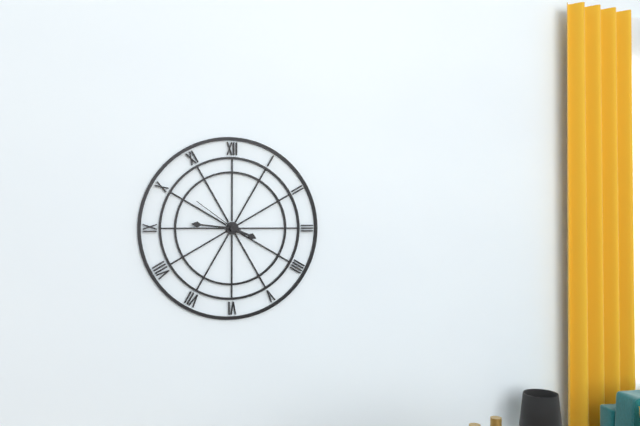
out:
{"hour": 3, "minute": 46, "second": 51}
